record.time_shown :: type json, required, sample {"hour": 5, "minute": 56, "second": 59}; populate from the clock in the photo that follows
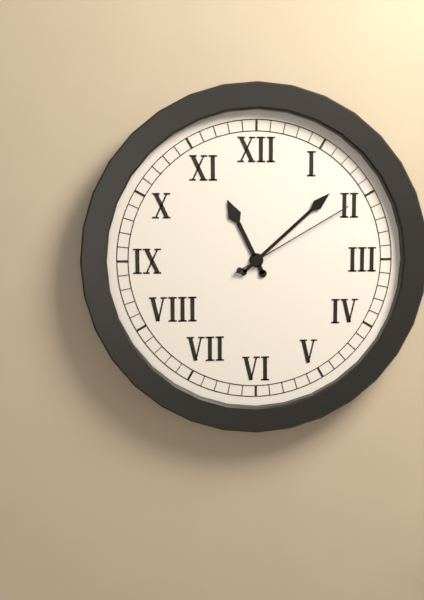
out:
{"hour": 11, "minute": 8, "second": 10}
